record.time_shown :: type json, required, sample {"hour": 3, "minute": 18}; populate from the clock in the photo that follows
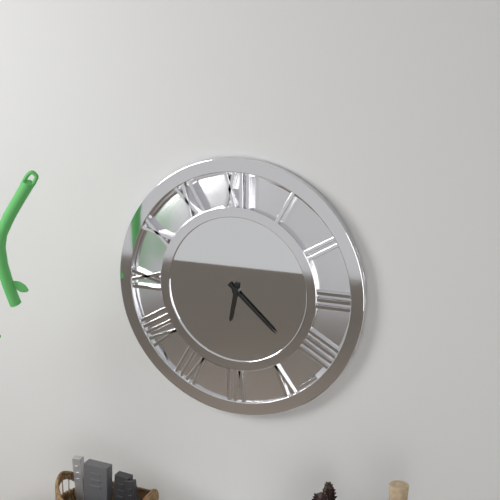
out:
{"hour": 6, "minute": 22}
